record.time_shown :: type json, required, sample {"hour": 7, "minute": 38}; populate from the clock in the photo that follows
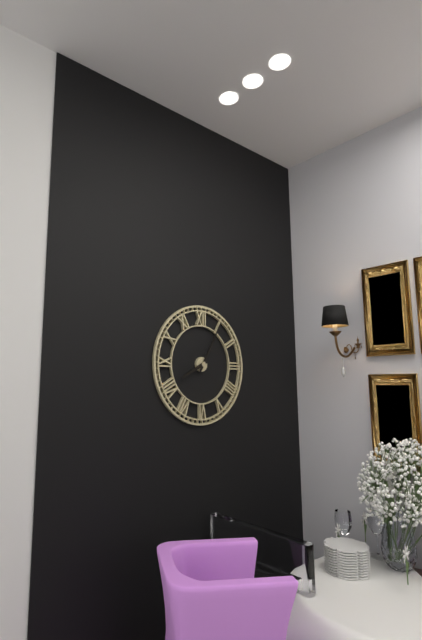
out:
{"hour": 8, "minute": 5}
